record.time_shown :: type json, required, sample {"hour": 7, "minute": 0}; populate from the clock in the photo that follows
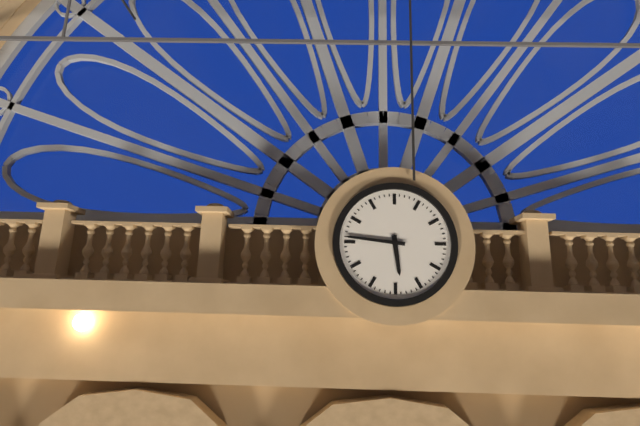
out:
{"hour": 5, "minute": 46}
